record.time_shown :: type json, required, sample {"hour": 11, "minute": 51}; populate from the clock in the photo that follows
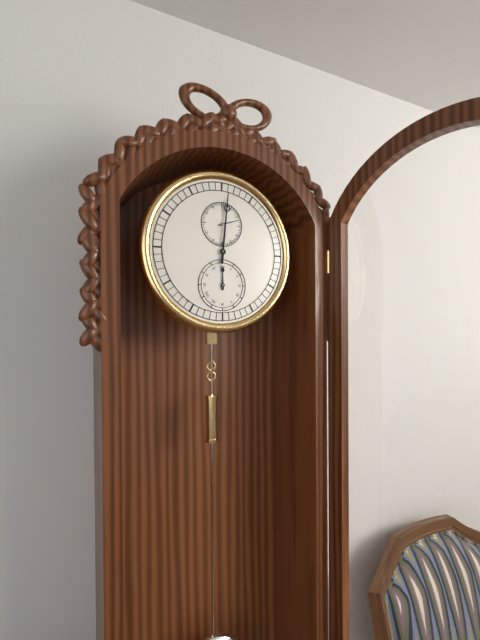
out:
{"hour": 12, "minute": 1}
